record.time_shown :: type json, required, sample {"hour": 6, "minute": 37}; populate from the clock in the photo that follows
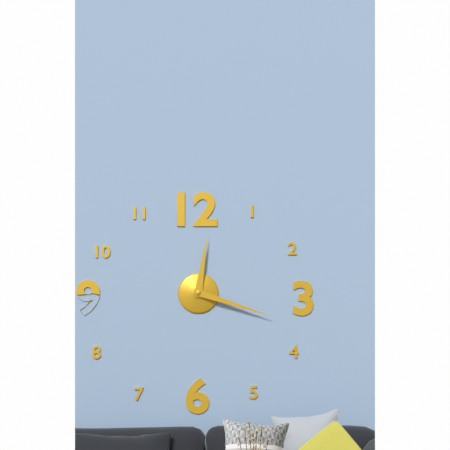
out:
{"hour": 12, "minute": 18}
